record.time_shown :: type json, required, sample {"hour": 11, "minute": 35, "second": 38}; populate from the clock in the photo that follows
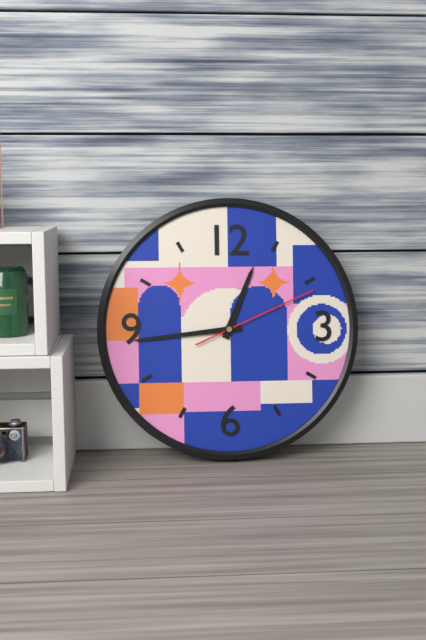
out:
{"hour": 12, "minute": 44, "second": 11}
